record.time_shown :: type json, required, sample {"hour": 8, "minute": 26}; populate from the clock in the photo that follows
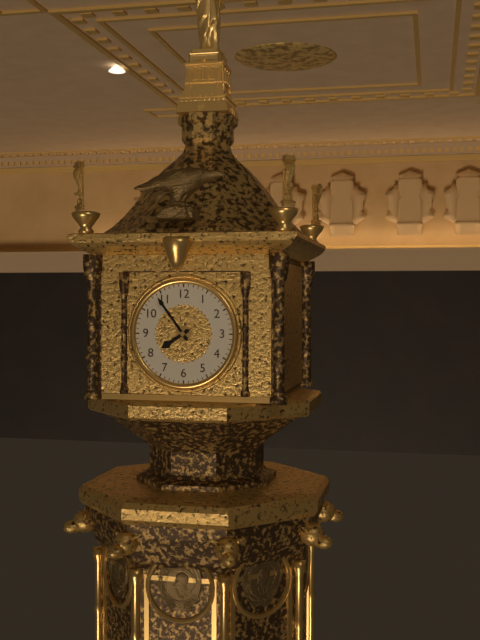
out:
{"hour": 7, "minute": 54}
